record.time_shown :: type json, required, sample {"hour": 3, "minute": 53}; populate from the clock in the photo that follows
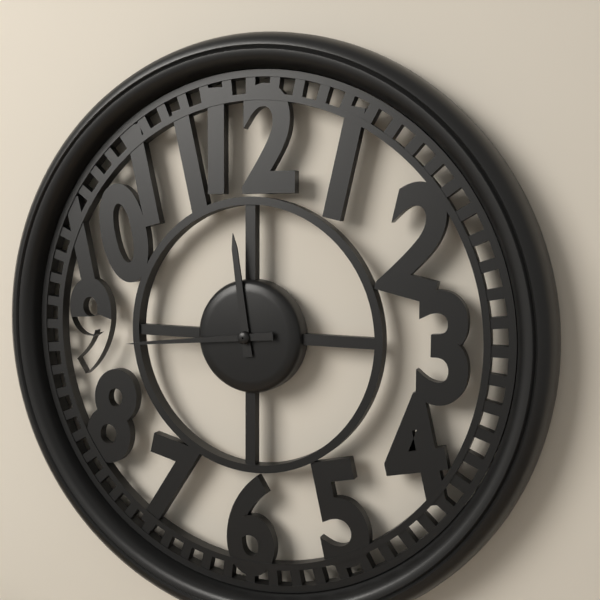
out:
{"hour": 11, "minute": 44}
